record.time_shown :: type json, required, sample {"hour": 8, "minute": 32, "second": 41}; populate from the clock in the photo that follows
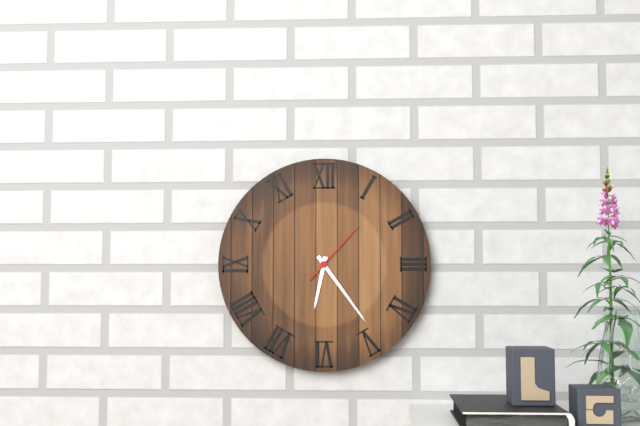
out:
{"hour": 6, "minute": 24, "second": 7}
